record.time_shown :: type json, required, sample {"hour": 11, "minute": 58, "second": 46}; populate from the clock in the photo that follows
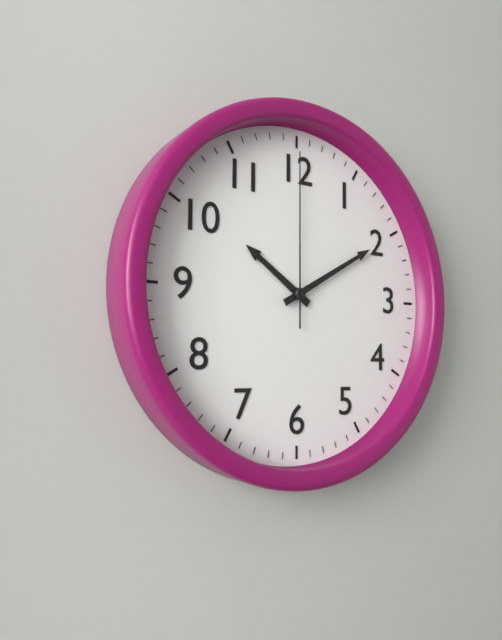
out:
{"hour": 10, "minute": 10, "second": 0}
